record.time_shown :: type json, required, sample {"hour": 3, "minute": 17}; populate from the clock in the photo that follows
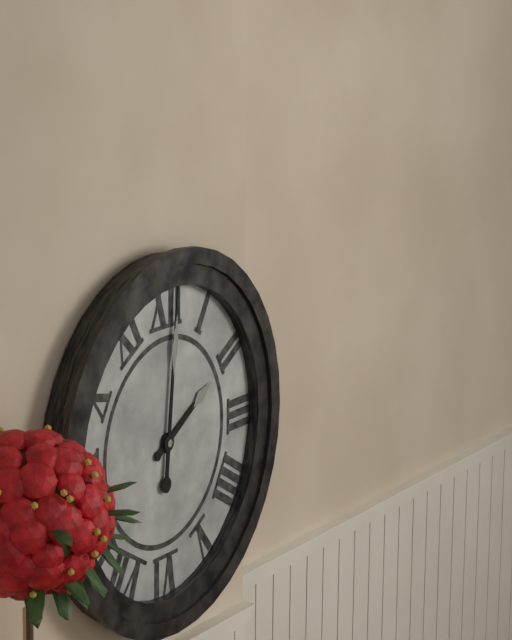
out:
{"hour": 2, "minute": 1}
